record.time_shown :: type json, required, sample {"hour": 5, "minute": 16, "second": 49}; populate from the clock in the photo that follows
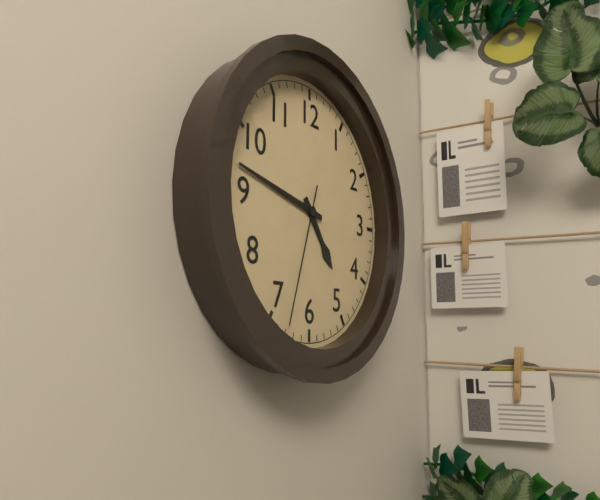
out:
{"hour": 4, "minute": 47, "second": 33}
